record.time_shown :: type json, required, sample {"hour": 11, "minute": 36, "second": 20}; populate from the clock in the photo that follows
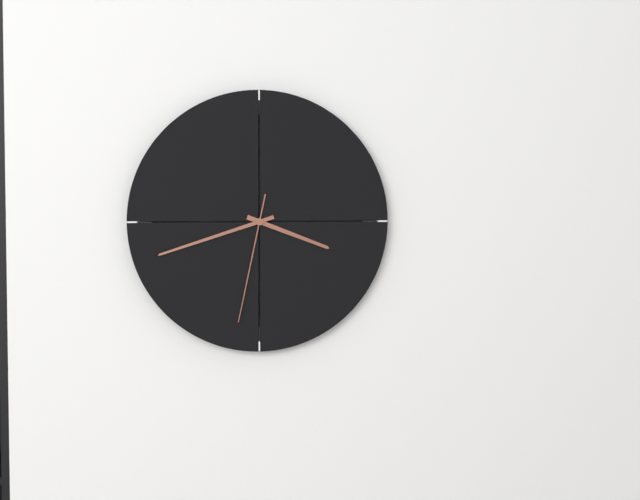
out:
{"hour": 3, "minute": 42, "second": 32}
